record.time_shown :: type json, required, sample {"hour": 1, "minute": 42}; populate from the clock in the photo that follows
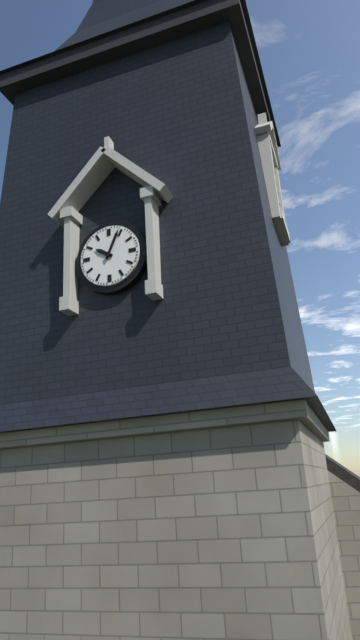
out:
{"hour": 10, "minute": 4}
